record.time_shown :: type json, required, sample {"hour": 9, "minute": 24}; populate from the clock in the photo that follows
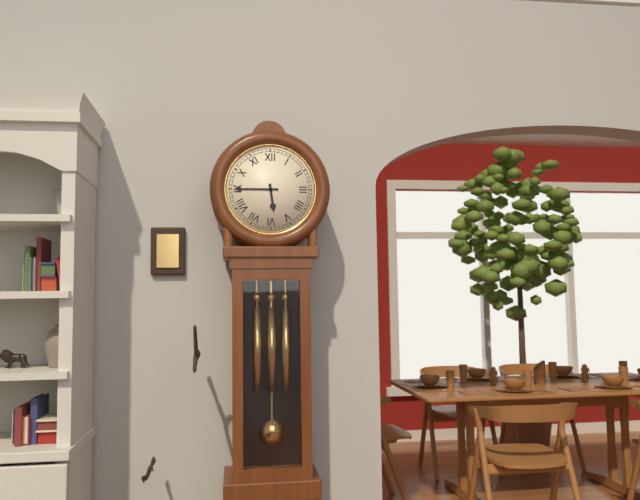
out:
{"hour": 5, "minute": 45}
